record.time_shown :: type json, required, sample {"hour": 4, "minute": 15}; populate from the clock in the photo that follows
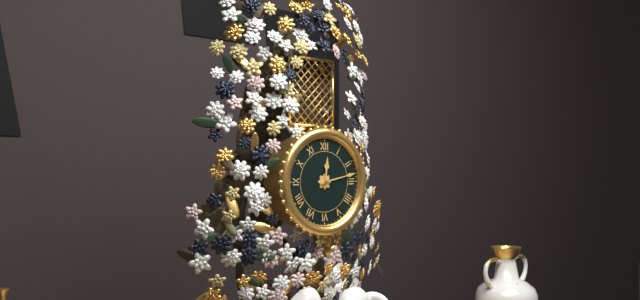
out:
{"hour": 12, "minute": 13}
